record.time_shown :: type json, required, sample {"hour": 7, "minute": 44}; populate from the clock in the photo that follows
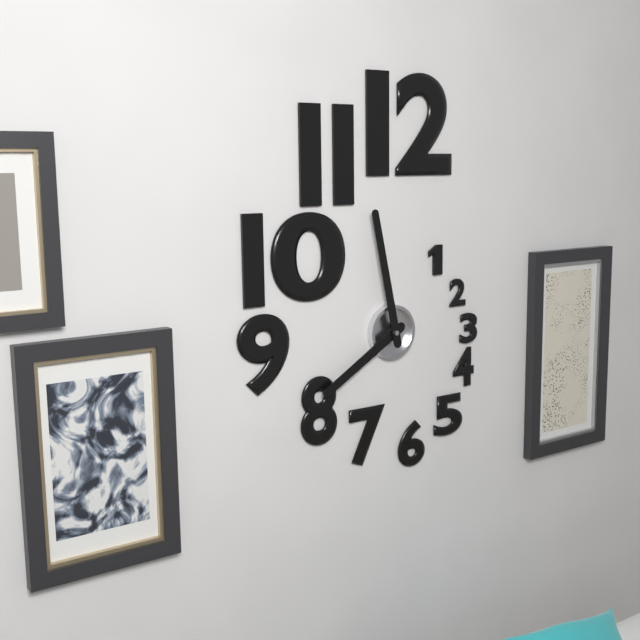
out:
{"hour": 7, "minute": 58}
